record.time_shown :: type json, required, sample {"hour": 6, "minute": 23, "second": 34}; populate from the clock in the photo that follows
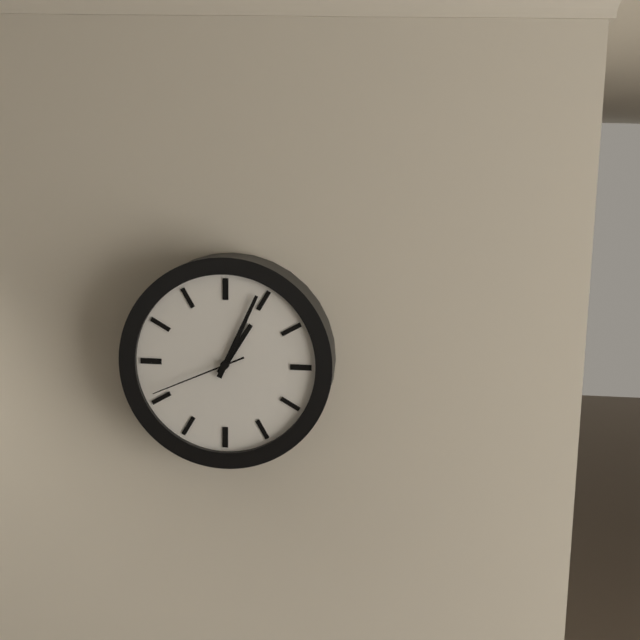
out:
{"hour": 1, "minute": 4, "second": 41}
